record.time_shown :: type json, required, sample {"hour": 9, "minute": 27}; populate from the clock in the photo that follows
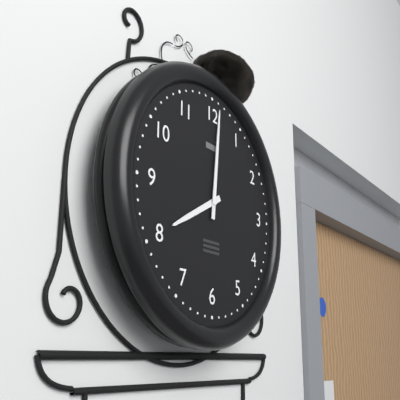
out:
{"hour": 8, "minute": 1}
